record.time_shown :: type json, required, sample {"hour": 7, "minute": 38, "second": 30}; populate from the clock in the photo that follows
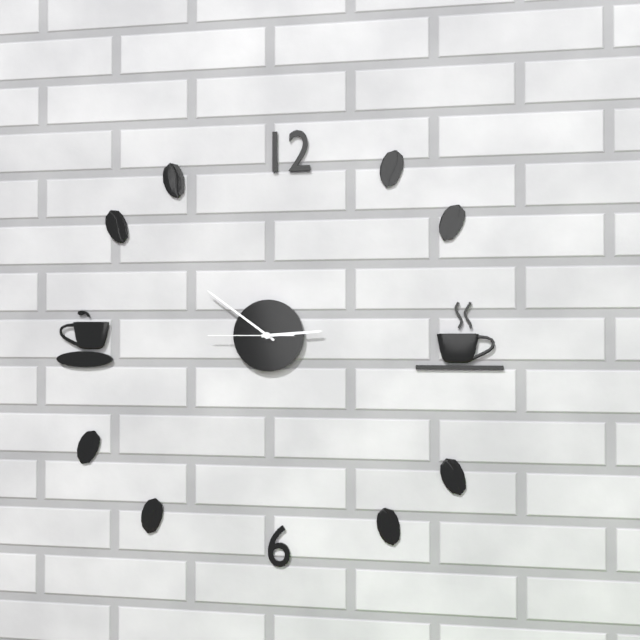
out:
{"hour": 2, "minute": 51, "second": 45}
